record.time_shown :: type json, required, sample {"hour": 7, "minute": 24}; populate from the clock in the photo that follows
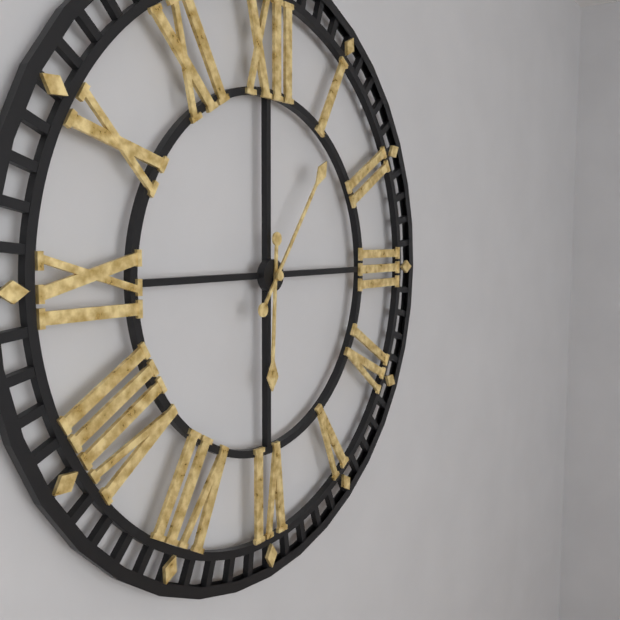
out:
{"hour": 6, "minute": 6}
